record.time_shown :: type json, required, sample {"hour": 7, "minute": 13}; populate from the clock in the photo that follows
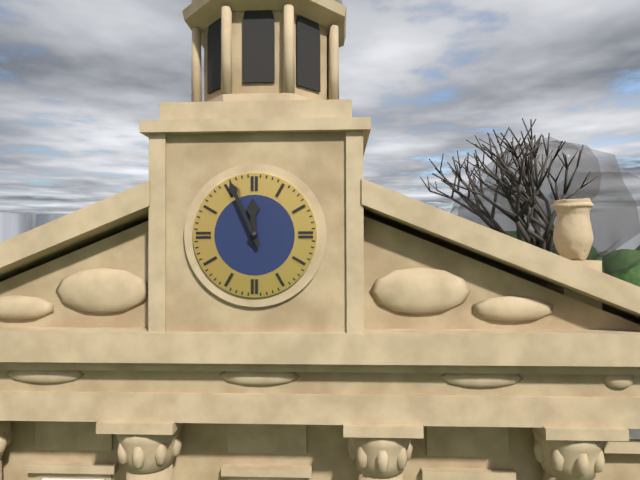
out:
{"hour": 11, "minute": 56}
